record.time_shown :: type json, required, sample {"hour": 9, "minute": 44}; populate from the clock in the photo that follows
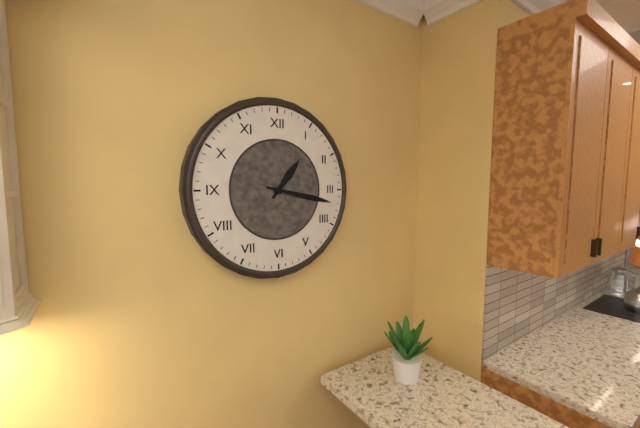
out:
{"hour": 1, "minute": 17}
